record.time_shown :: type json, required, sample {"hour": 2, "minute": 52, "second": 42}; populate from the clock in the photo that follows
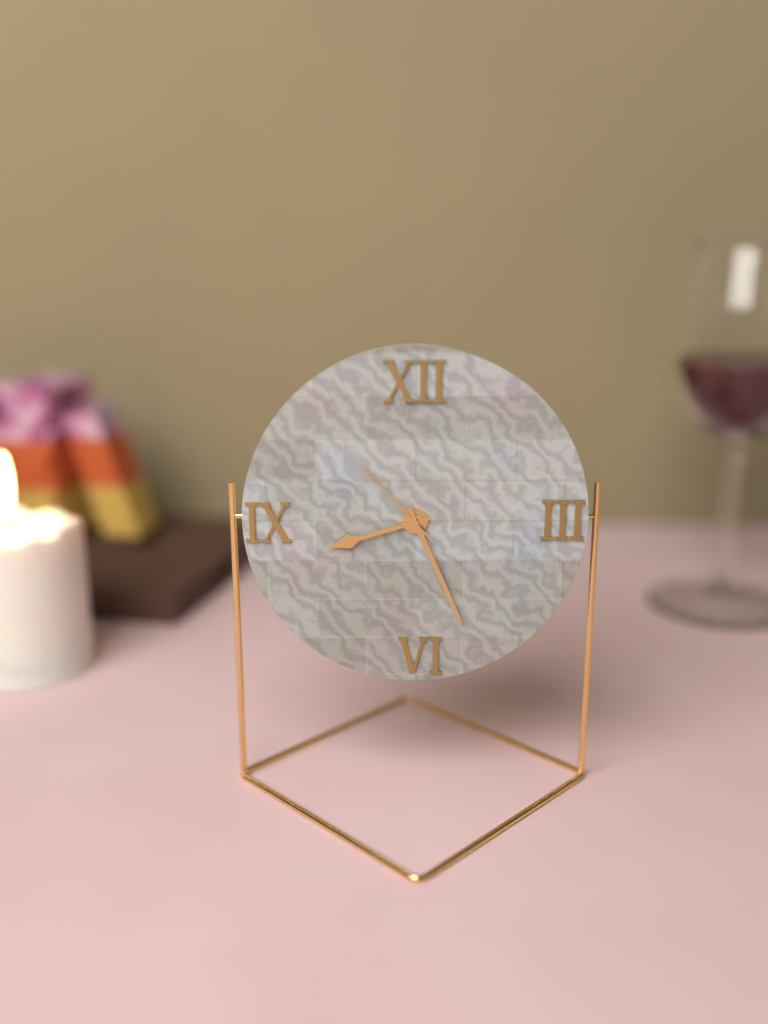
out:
{"hour": 8, "minute": 26, "second": 53}
